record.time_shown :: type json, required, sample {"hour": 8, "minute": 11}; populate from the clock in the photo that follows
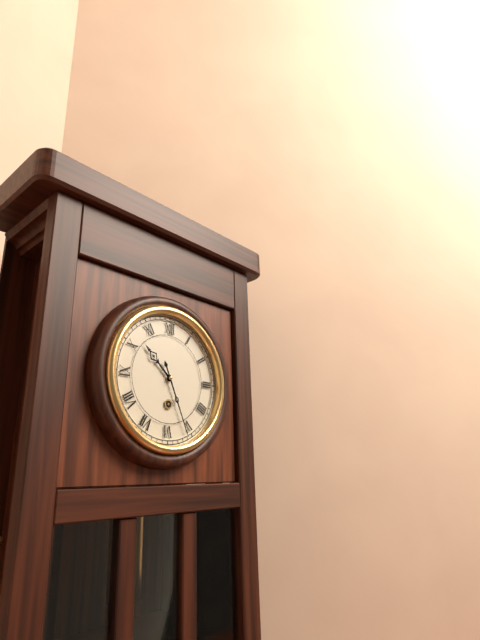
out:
{"hour": 10, "minute": 26}
